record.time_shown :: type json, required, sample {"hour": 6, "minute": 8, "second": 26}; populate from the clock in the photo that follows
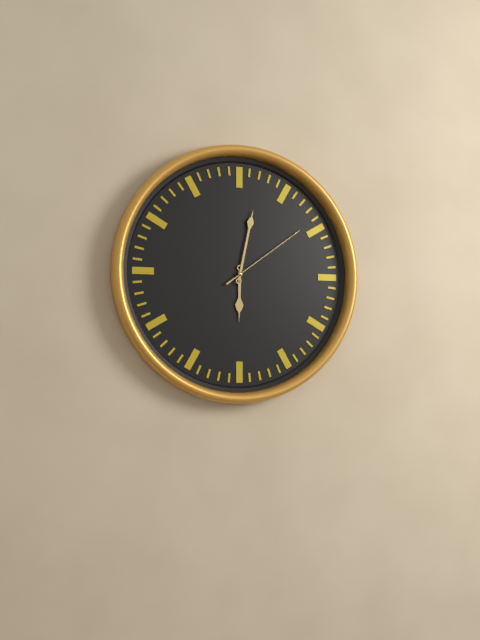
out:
{"hour": 6, "minute": 2, "second": 9}
